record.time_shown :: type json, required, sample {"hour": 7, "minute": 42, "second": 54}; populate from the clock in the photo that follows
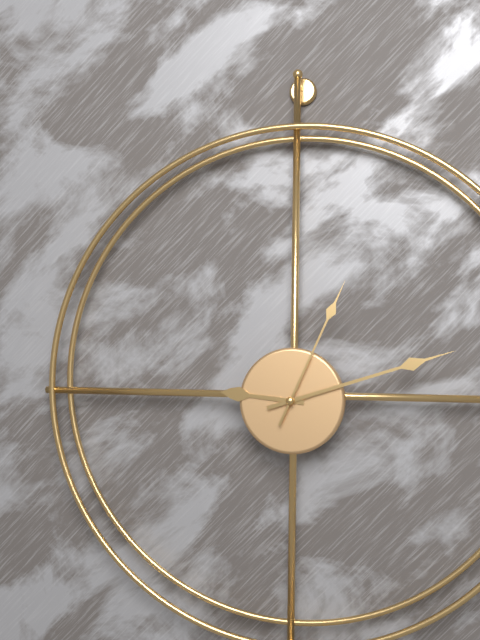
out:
{"hour": 9, "minute": 12, "second": 4}
